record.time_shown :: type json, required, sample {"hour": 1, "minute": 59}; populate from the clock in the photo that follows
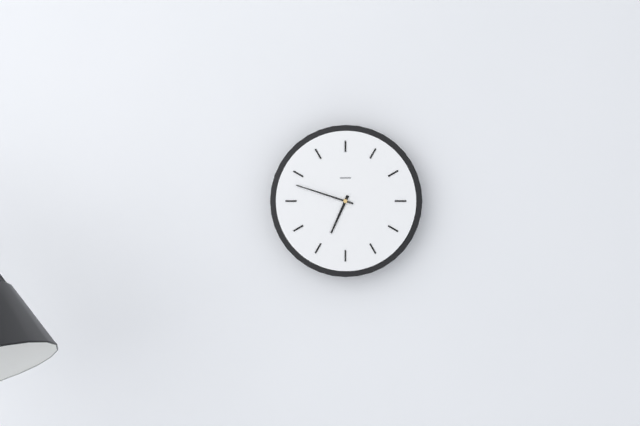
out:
{"hour": 6, "minute": 48}
